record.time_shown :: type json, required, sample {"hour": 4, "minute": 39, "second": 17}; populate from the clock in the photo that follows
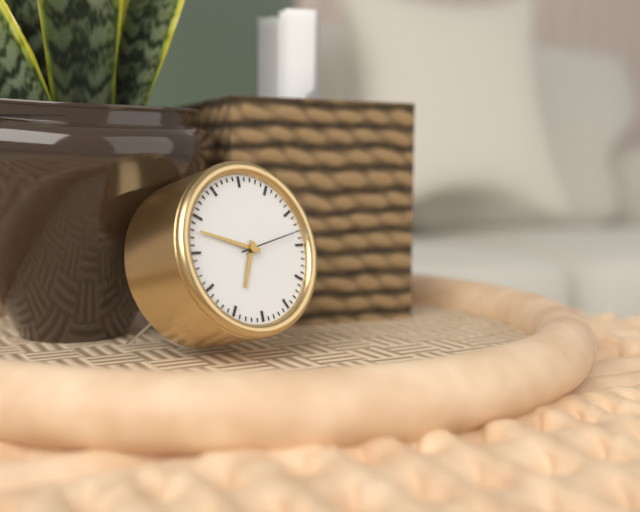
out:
{"hour": 6, "minute": 48, "second": 13}
